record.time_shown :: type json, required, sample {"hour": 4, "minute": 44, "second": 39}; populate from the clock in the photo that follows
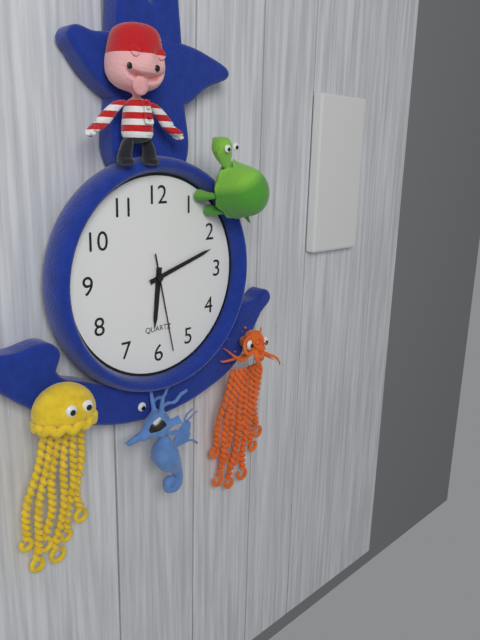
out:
{"hour": 6, "minute": 12, "second": 28}
